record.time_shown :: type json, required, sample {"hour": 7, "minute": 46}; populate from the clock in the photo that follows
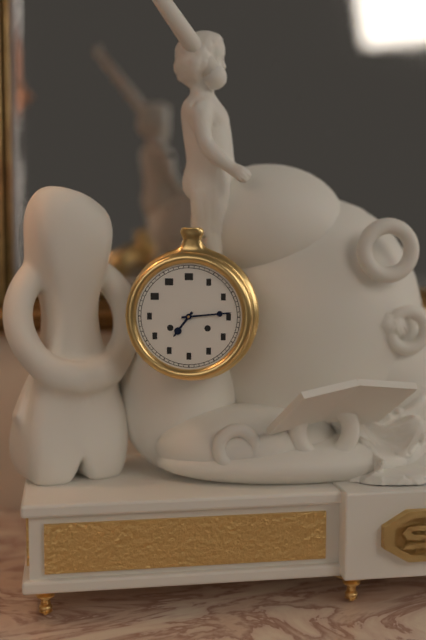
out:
{"hour": 7, "minute": 14}
